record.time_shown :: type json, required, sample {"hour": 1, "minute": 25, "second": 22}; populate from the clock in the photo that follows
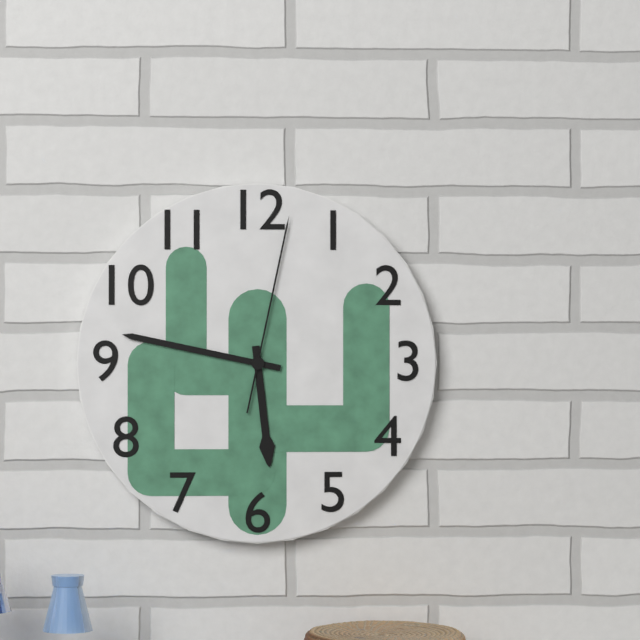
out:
{"hour": 5, "minute": 47, "second": 2}
